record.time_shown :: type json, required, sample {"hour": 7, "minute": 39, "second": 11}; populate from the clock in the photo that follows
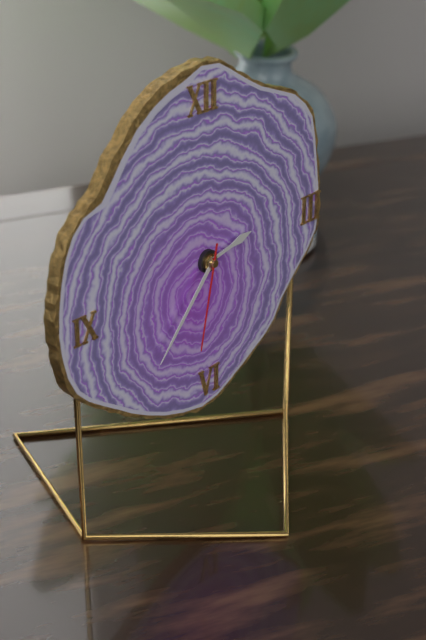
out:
{"hour": 2, "minute": 37, "second": 32}
